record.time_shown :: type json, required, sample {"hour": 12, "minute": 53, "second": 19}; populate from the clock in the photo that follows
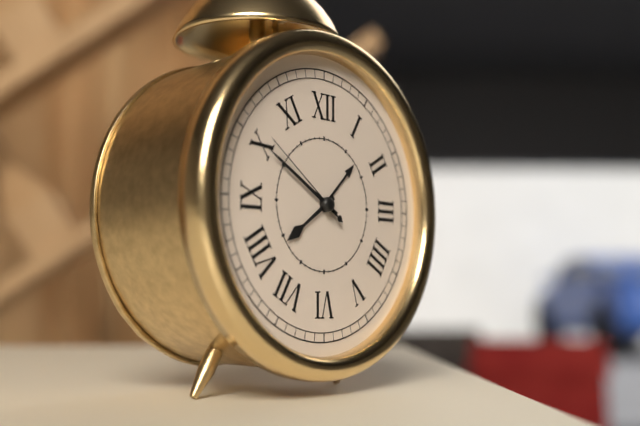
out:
{"hour": 7, "minute": 50, "second": 51}
